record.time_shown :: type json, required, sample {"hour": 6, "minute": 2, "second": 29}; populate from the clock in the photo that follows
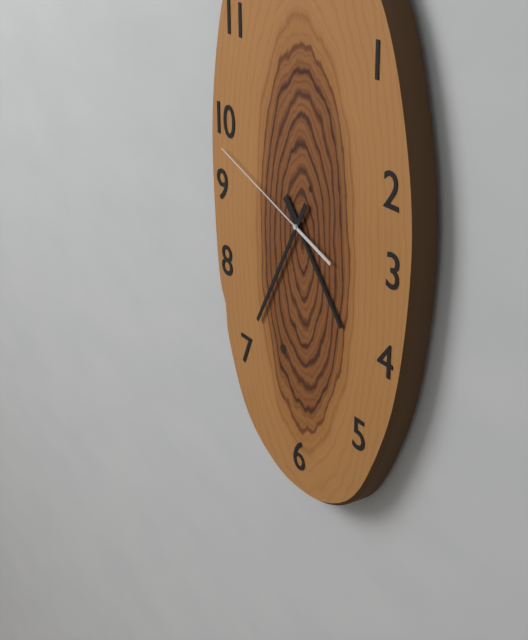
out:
{"hour": 4, "minute": 35, "second": 48}
